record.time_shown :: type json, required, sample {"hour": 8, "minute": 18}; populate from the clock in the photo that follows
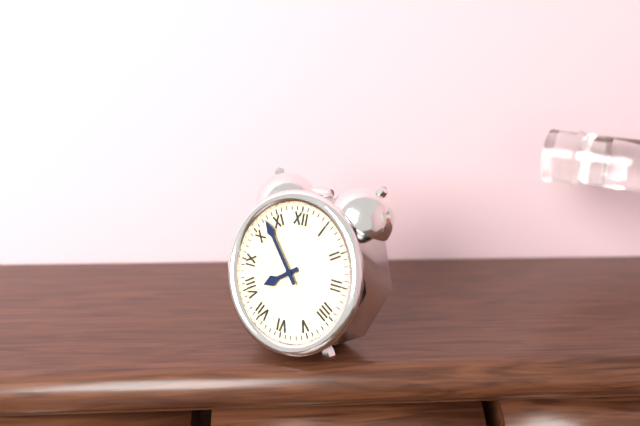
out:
{"hour": 7, "minute": 53}
